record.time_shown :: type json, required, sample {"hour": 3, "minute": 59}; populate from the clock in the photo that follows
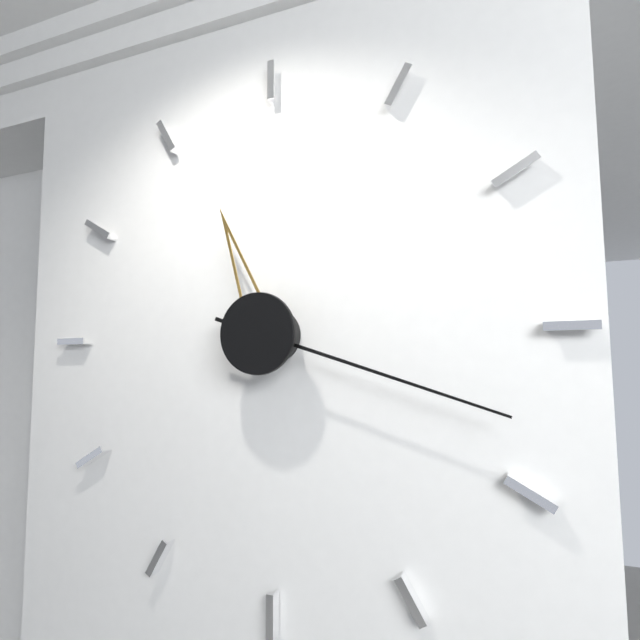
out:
{"hour": 11, "minute": 18}
